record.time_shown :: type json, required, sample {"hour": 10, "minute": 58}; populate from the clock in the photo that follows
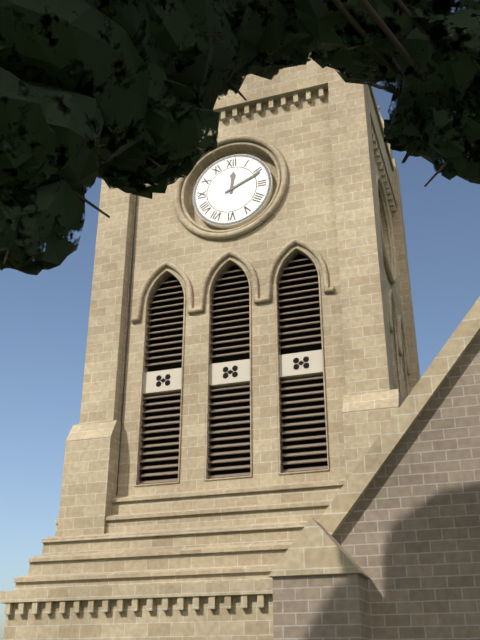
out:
{"hour": 12, "minute": 11}
